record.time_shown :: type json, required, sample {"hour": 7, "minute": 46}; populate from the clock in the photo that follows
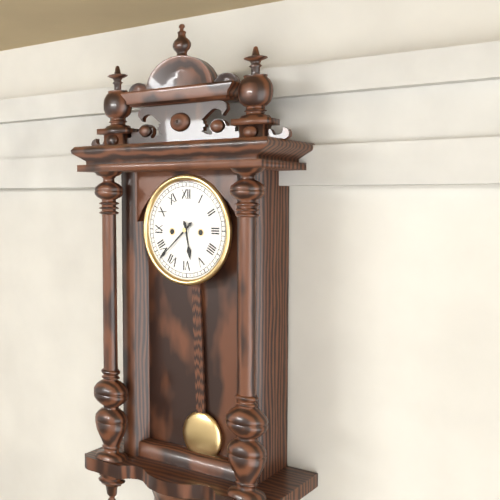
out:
{"hour": 5, "minute": 38}
